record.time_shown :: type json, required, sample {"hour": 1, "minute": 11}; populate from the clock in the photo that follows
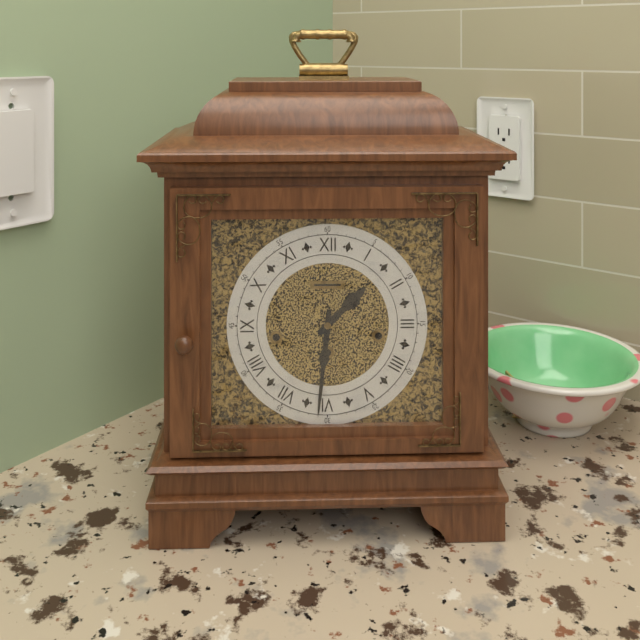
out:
{"hour": 1, "minute": 31}
